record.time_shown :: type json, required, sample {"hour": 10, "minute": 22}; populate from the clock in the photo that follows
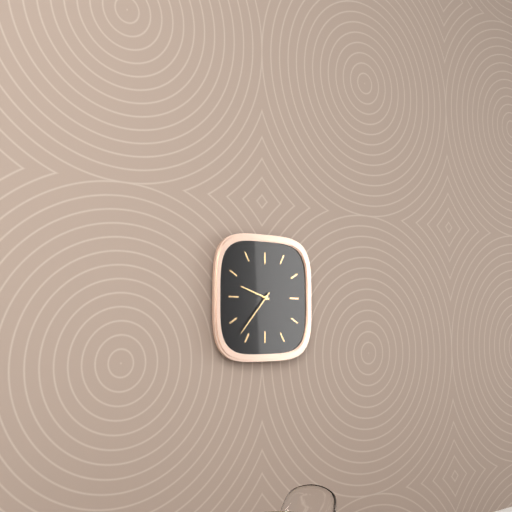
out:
{"hour": 9, "minute": 37}
